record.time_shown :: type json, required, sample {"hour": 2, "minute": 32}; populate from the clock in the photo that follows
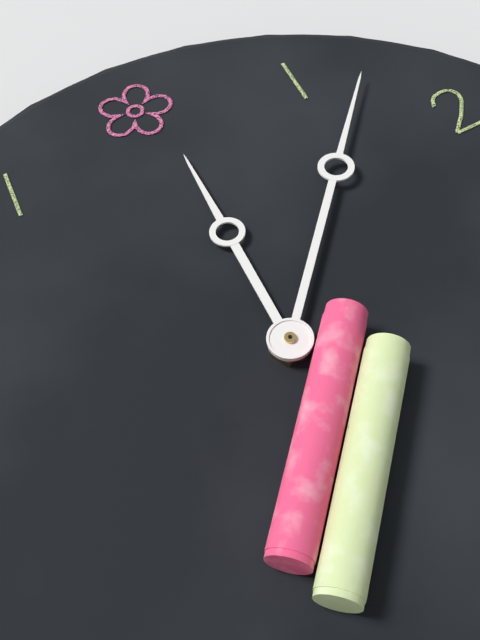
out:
{"hour": 12, "minute": 7}
